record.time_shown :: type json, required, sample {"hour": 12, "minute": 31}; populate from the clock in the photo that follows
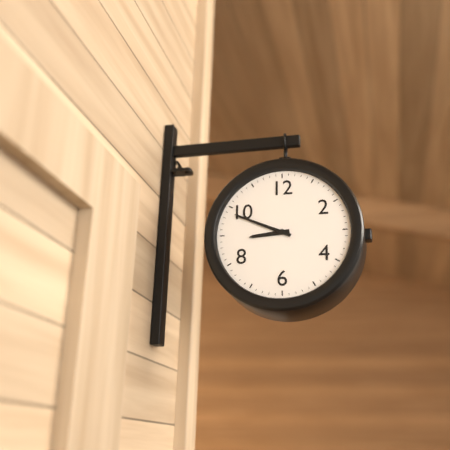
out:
{"hour": 8, "minute": 49}
